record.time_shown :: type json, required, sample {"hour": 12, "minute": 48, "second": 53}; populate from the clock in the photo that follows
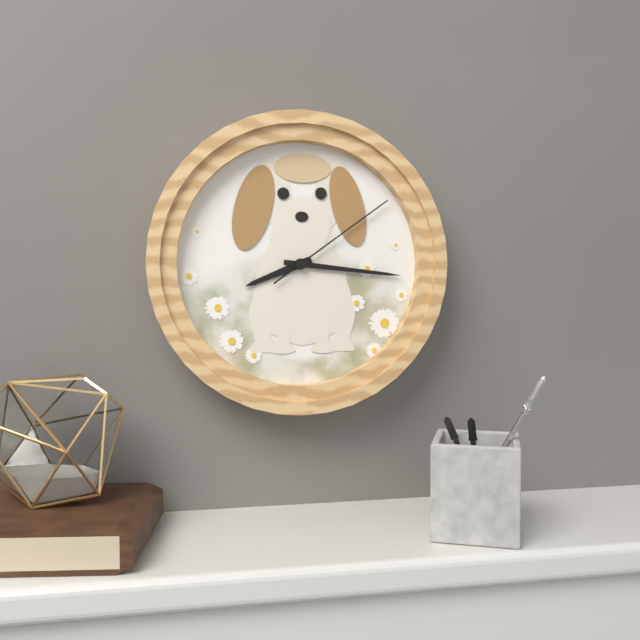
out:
{"hour": 8, "minute": 16, "second": 9}
